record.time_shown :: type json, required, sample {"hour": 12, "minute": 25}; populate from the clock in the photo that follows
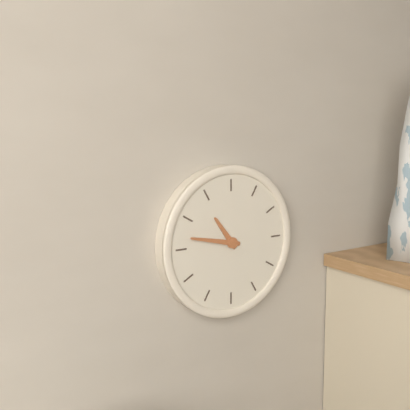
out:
{"hour": 10, "minute": 47}
